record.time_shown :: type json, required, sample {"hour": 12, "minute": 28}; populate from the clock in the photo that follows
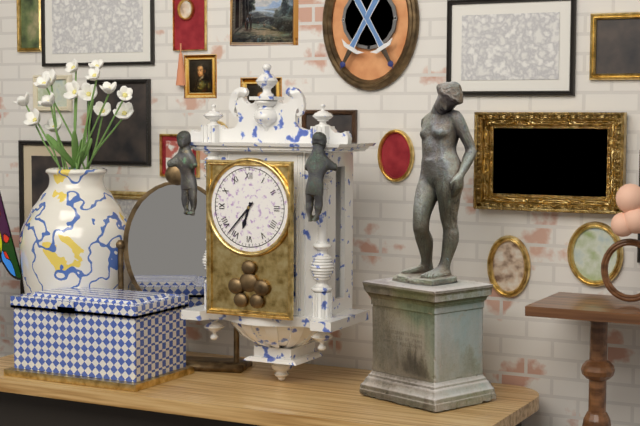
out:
{"hour": 6, "minute": 37}
